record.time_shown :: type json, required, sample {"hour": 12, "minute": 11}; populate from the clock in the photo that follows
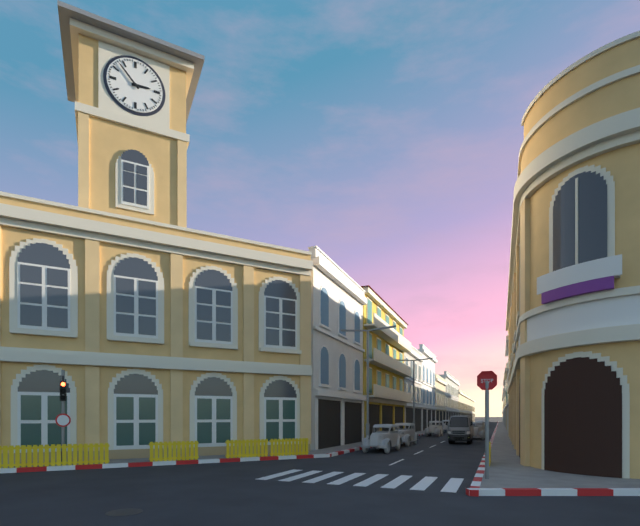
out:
{"hour": 2, "minute": 53}
